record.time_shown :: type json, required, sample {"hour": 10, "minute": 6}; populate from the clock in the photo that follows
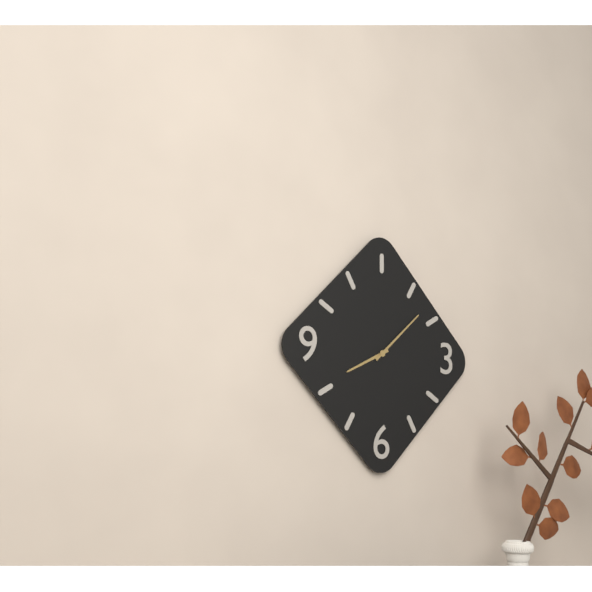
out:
{"hour": 8, "minute": 8}
